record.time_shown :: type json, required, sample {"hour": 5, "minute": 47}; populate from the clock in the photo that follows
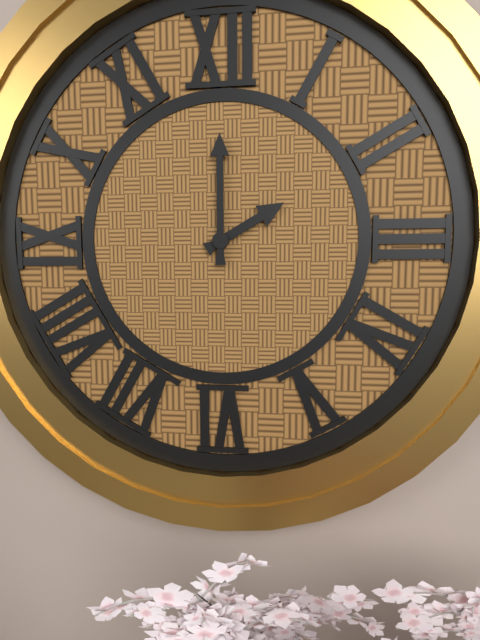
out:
{"hour": 2, "minute": 0}
